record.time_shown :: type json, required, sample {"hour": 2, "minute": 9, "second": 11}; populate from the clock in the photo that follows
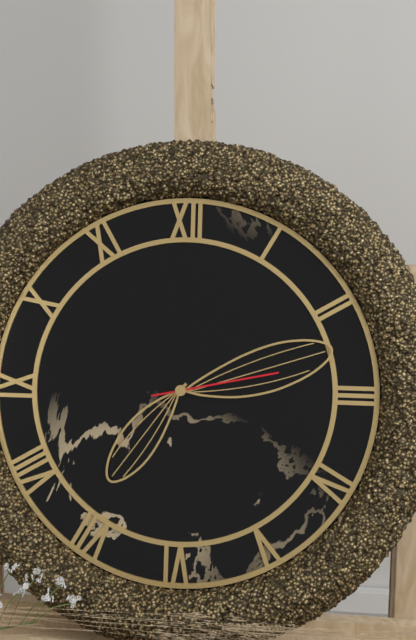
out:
{"hour": 7, "minute": 12, "second": 13}
